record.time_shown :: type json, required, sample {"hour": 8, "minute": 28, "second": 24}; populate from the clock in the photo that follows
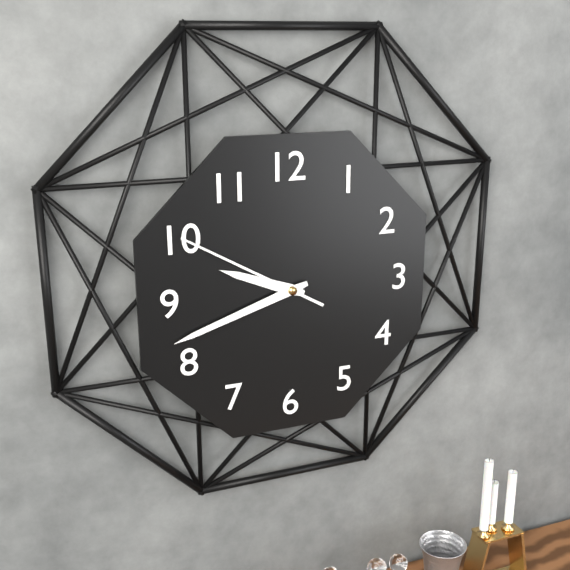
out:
{"hour": 9, "minute": 42, "second": 50}
